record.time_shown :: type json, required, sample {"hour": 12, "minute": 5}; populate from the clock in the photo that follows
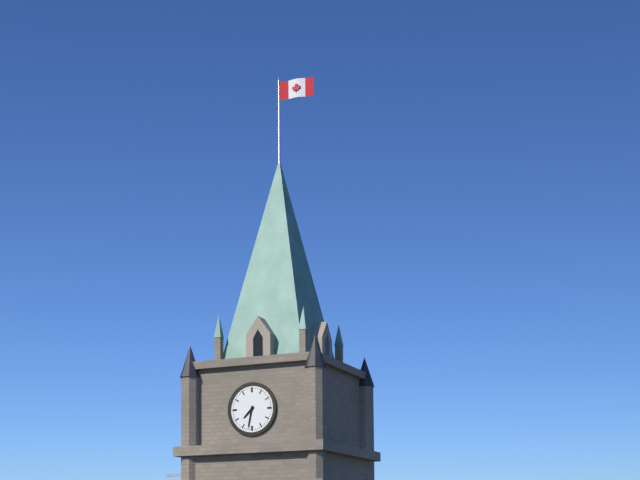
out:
{"hour": 7, "minute": 32}
